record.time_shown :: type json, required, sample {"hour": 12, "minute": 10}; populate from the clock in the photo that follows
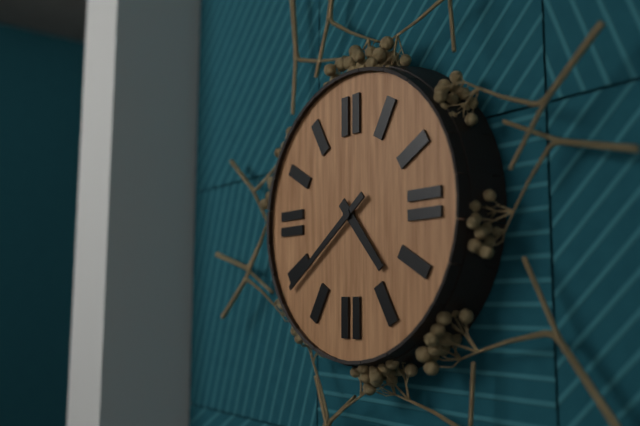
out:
{"hour": 4, "minute": 39}
